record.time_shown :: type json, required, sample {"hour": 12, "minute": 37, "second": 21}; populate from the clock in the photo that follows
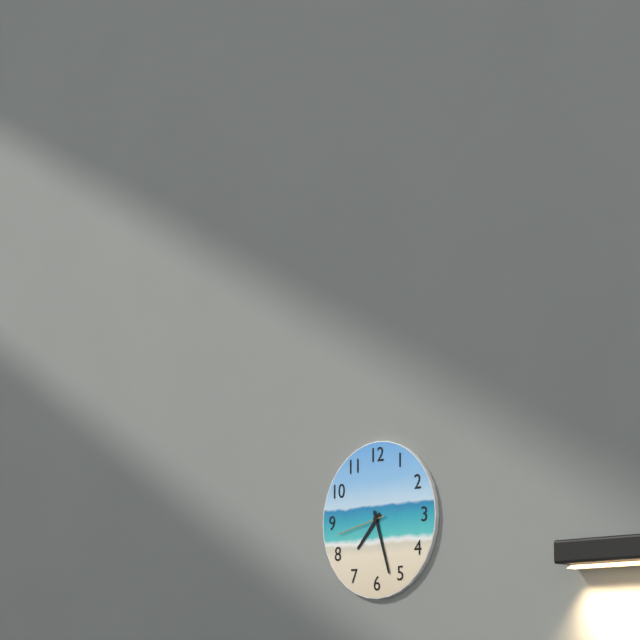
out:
{"hour": 7, "minute": 27, "second": 43}
